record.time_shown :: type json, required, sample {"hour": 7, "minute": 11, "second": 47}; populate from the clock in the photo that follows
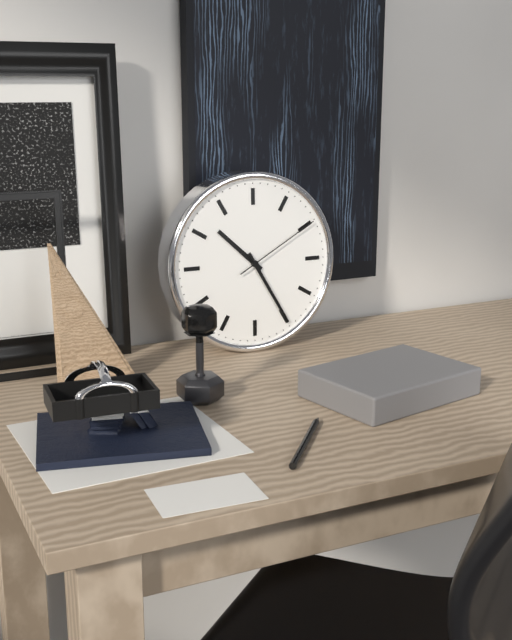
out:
{"hour": 10, "minute": 25, "second": 10}
